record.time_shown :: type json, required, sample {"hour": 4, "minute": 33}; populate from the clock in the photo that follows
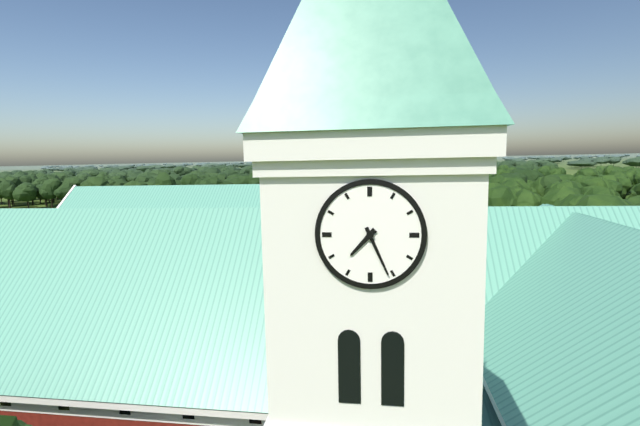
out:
{"hour": 7, "minute": 26}
